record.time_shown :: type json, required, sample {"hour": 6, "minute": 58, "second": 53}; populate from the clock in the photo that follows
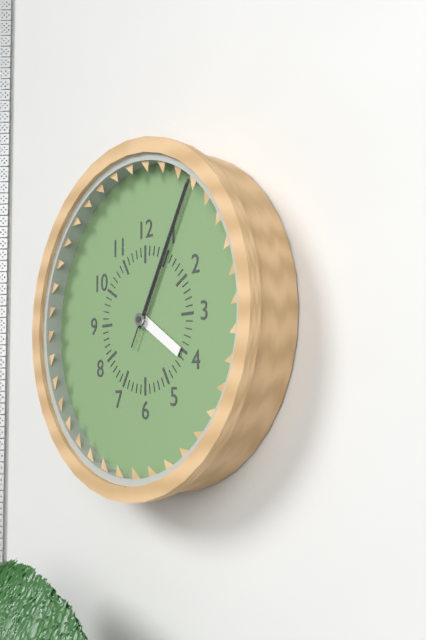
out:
{"hour": 4, "minute": 5, "second": 5}
